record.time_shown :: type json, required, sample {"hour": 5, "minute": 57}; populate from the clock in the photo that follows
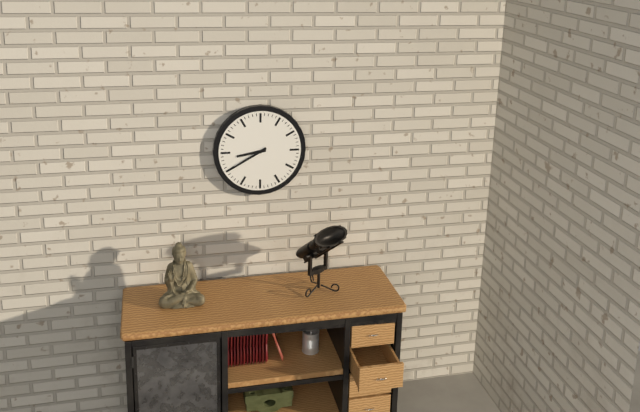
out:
{"hour": 8, "minute": 40}
